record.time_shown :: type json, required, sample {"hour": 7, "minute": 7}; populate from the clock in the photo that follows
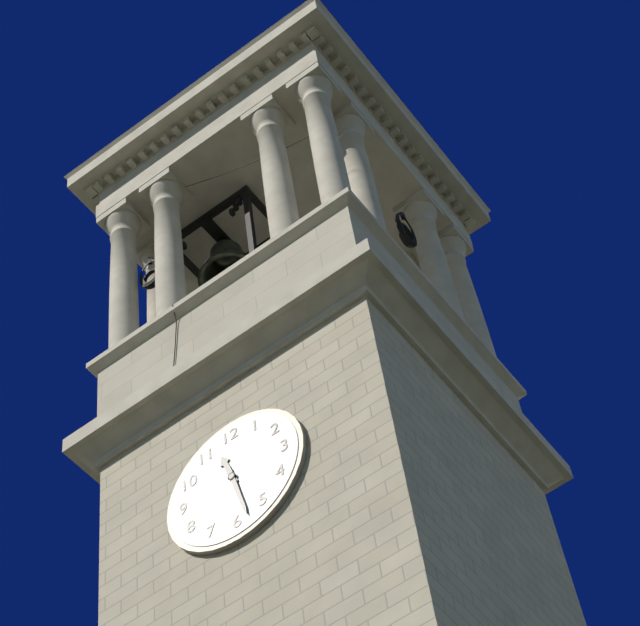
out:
{"hour": 11, "minute": 28}
